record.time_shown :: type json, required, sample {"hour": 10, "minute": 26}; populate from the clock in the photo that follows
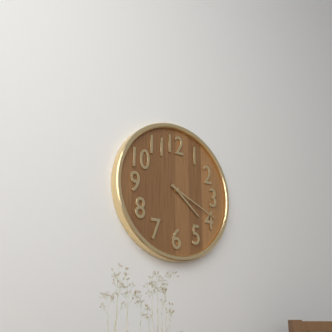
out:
{"hour": 4, "minute": 19}
